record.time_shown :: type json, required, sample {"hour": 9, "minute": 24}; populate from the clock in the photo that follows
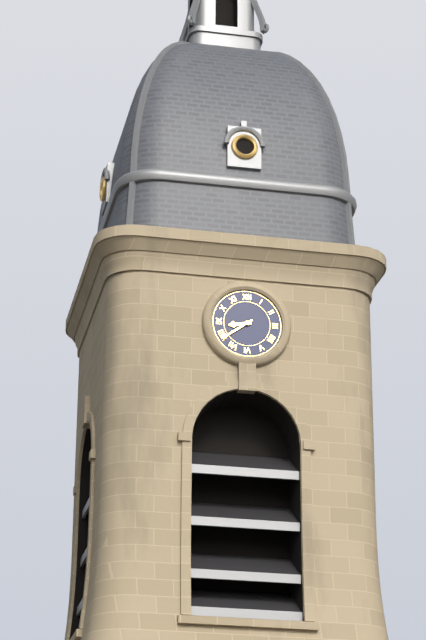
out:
{"hour": 8, "minute": 39}
